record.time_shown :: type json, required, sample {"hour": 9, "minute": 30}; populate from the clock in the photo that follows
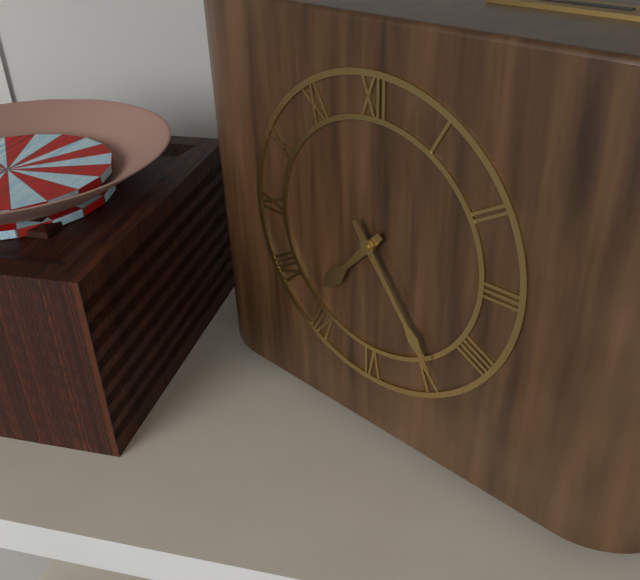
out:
{"hour": 7, "minute": 24}
